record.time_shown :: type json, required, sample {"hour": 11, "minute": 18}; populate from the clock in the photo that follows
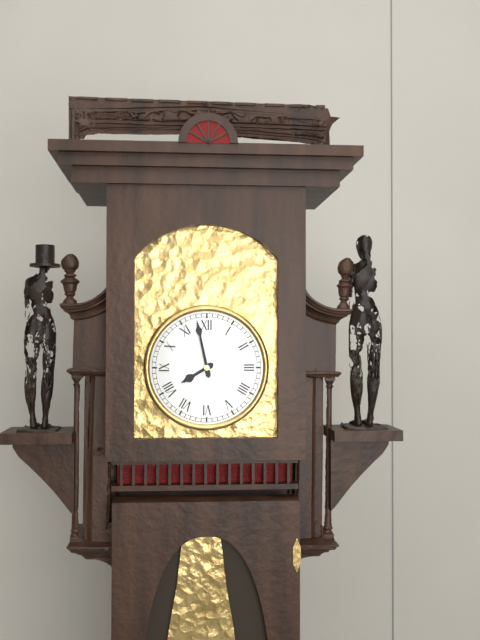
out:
{"hour": 7, "minute": 58}
